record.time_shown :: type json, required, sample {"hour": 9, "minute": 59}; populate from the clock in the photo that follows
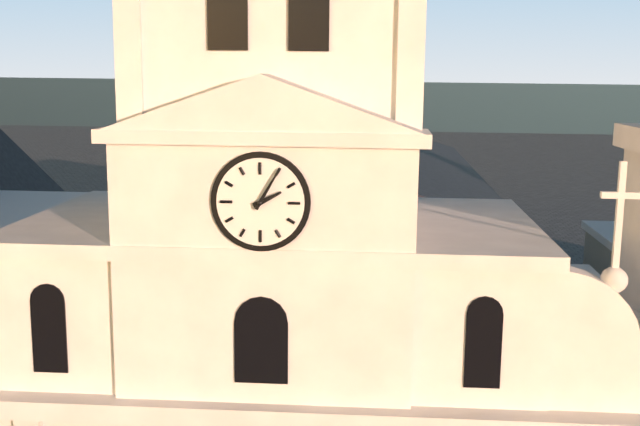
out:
{"hour": 2, "minute": 5}
